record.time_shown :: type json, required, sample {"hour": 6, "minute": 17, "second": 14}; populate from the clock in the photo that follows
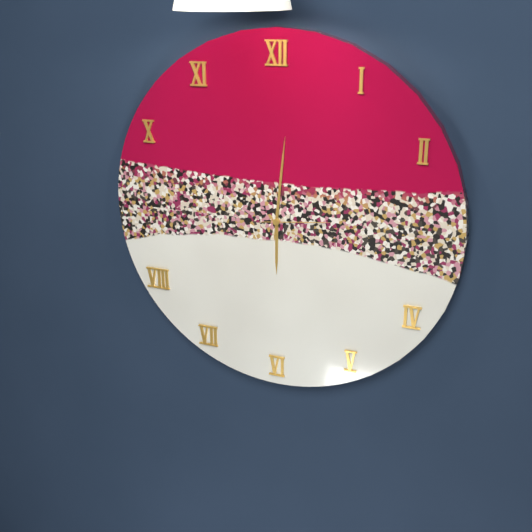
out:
{"hour": 6, "minute": 1, "second": 14}
